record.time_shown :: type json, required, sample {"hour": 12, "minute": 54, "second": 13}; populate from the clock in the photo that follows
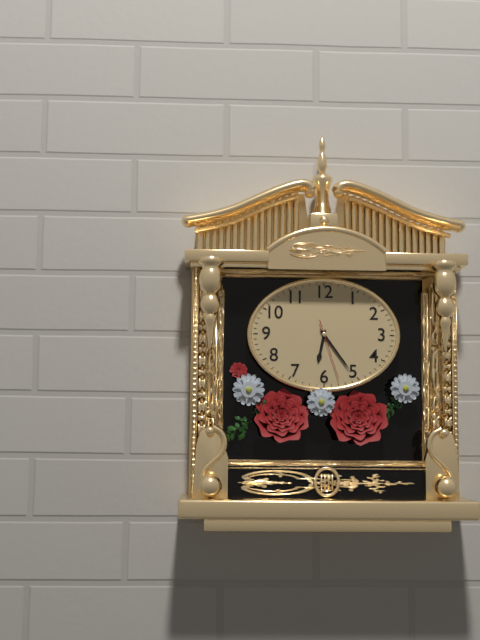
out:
{"hour": 6, "minute": 24, "second": 27}
